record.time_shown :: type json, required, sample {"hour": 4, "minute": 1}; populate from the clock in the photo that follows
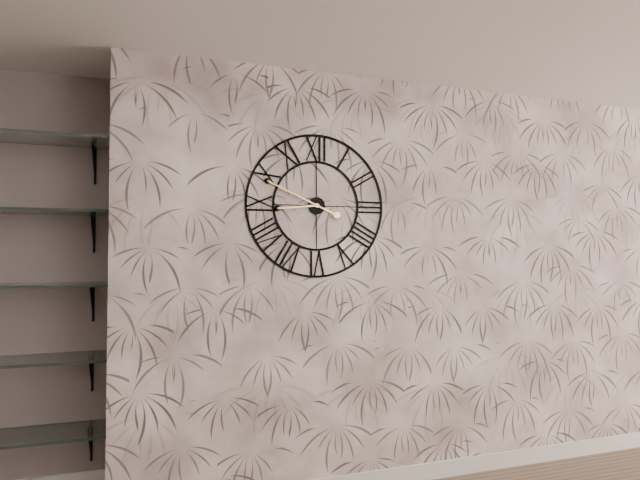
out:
{"hour": 8, "minute": 49}
